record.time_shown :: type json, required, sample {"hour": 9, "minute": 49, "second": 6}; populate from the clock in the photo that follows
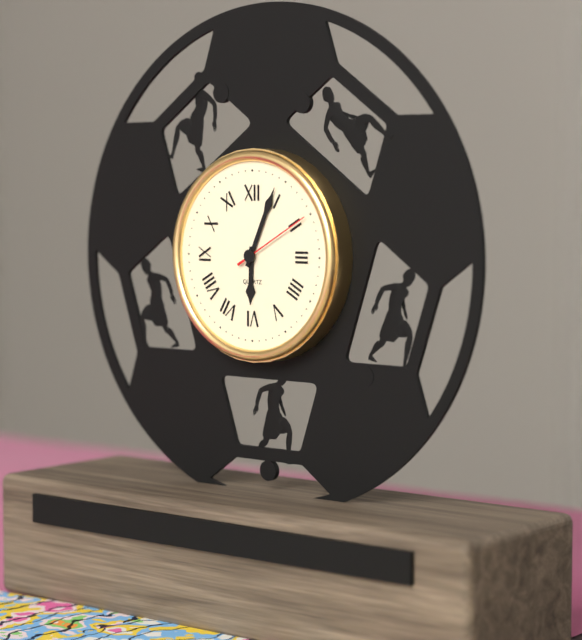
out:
{"hour": 6, "minute": 4, "second": 10}
